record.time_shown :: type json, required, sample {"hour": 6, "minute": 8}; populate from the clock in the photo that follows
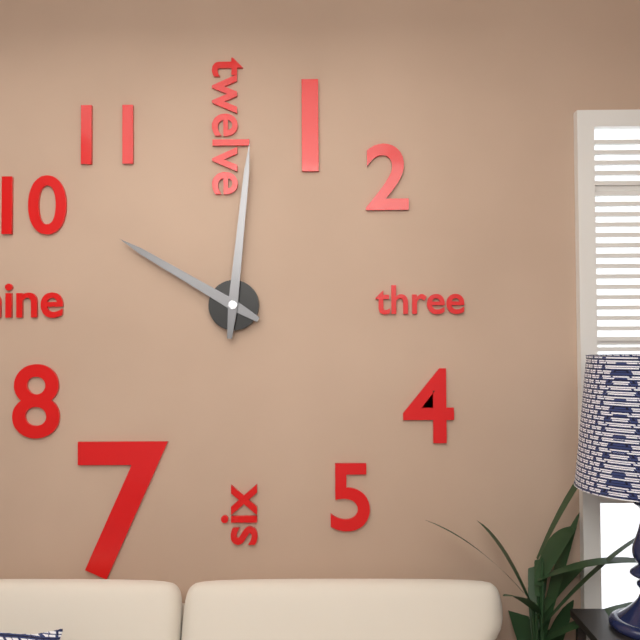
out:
{"hour": 10, "minute": 1}
